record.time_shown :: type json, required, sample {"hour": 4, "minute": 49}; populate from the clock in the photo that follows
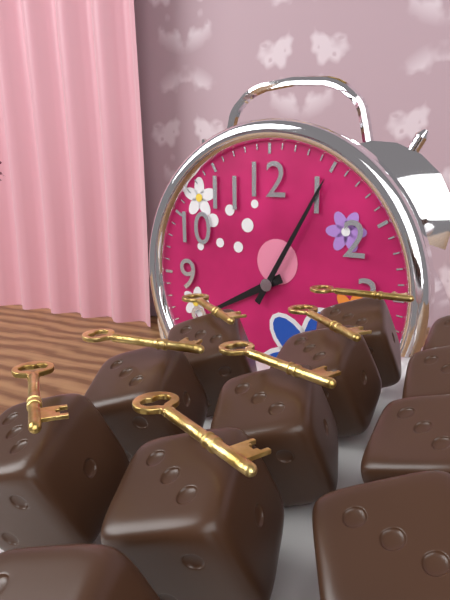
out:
{"hour": 8, "minute": 5}
